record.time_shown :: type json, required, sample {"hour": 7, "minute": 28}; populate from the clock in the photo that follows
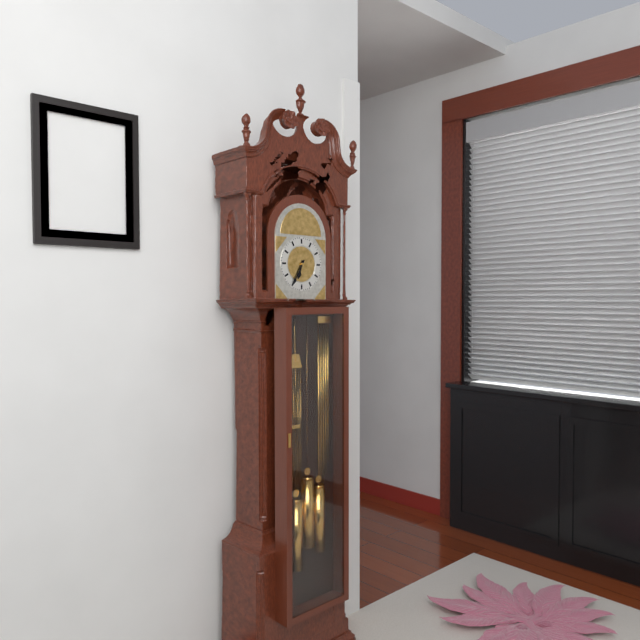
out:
{"hour": 6, "minute": 35}
